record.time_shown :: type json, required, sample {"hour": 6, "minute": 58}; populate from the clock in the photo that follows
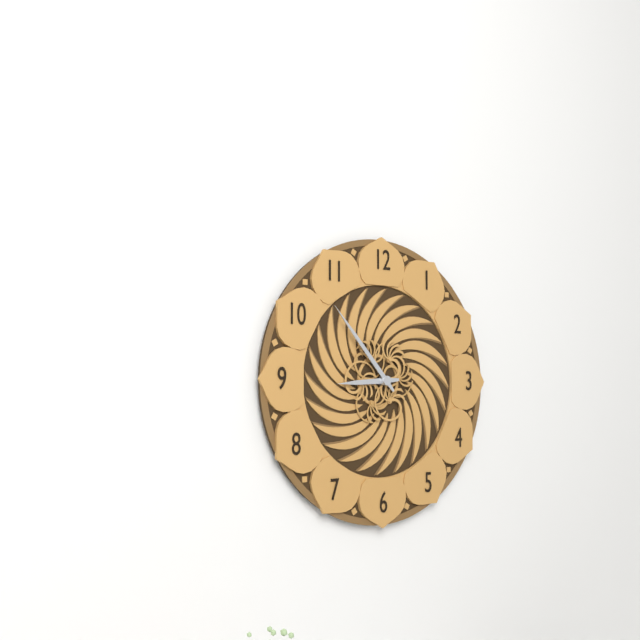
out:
{"hour": 8, "minute": 53}
